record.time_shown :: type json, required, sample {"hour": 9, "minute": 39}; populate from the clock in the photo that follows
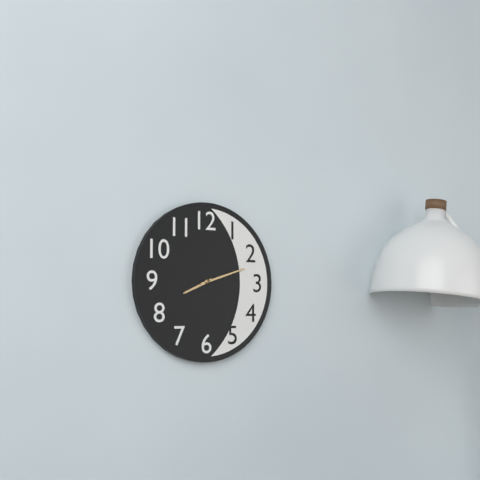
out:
{"hour": 8, "minute": 12}
